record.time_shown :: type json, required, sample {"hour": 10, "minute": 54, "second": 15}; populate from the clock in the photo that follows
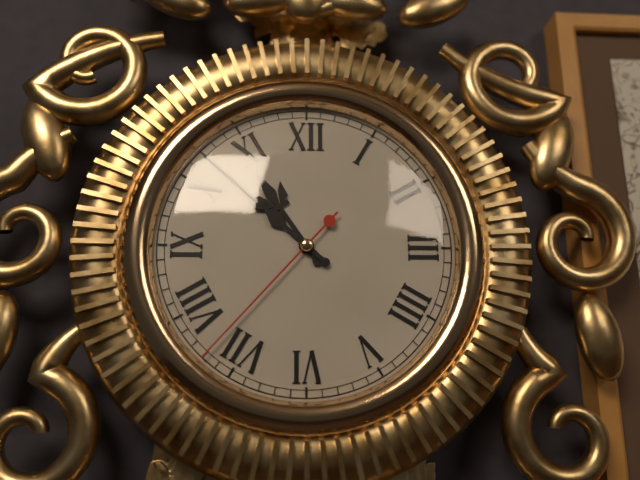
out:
{"hour": 10, "minute": 52, "second": 37}
